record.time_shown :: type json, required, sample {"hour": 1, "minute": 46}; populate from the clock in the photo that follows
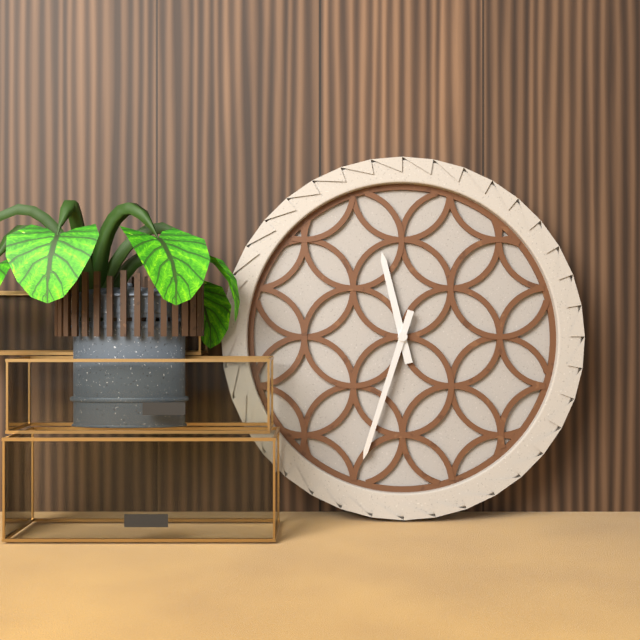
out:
{"hour": 11, "minute": 33}
